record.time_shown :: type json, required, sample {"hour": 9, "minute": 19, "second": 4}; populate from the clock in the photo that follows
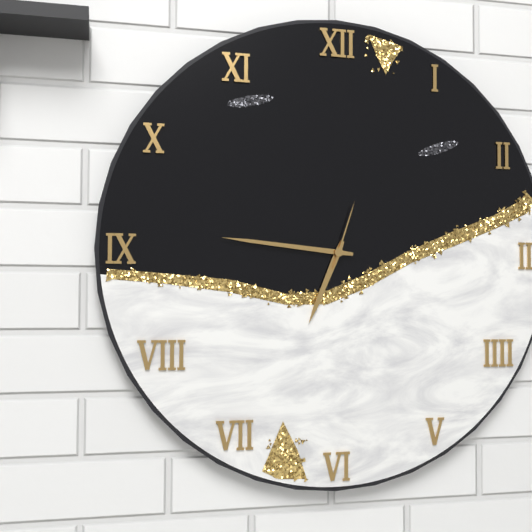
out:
{"hour": 6, "minute": 46, "second": 3}
